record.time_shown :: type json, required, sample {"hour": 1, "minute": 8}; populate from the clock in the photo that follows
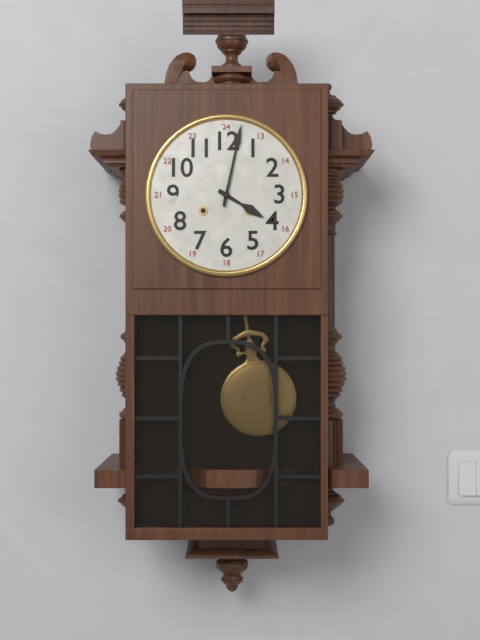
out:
{"hour": 4, "minute": 2}
